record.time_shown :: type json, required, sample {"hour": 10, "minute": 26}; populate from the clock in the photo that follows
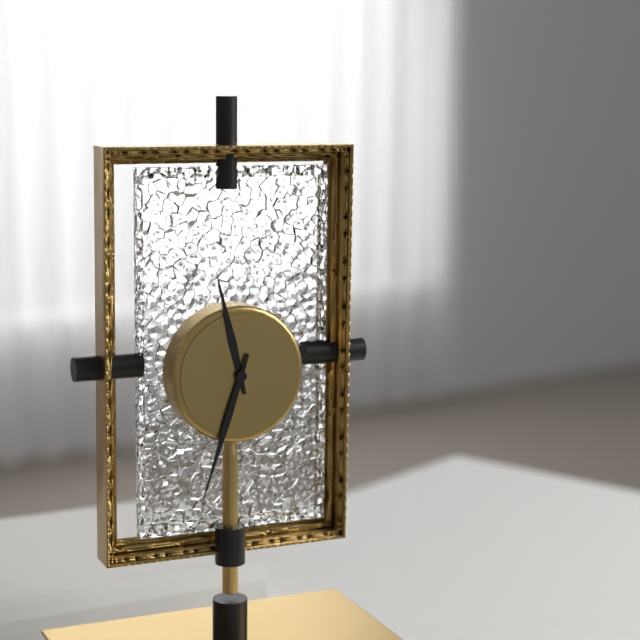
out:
{"hour": 11, "minute": 33}
